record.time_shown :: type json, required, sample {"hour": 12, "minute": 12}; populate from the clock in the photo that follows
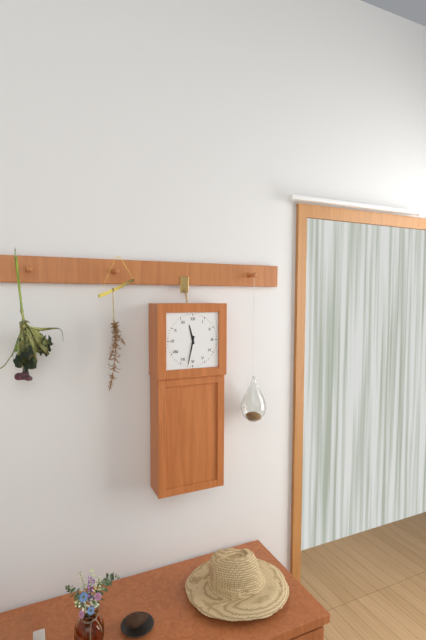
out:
{"hour": 11, "minute": 32}
